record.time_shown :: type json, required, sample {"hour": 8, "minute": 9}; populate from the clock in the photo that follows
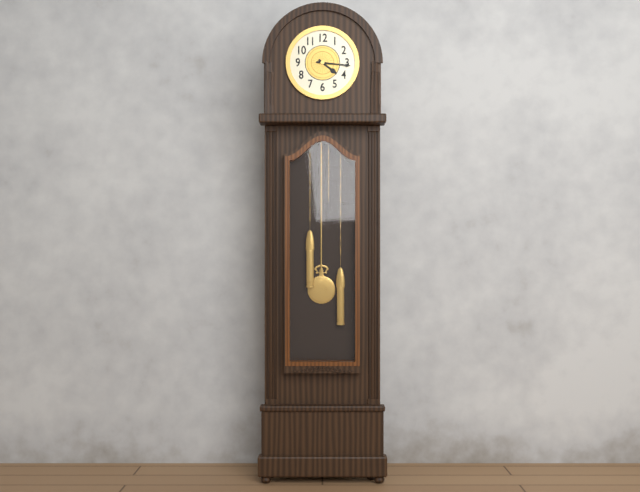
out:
{"hour": 4, "minute": 16}
